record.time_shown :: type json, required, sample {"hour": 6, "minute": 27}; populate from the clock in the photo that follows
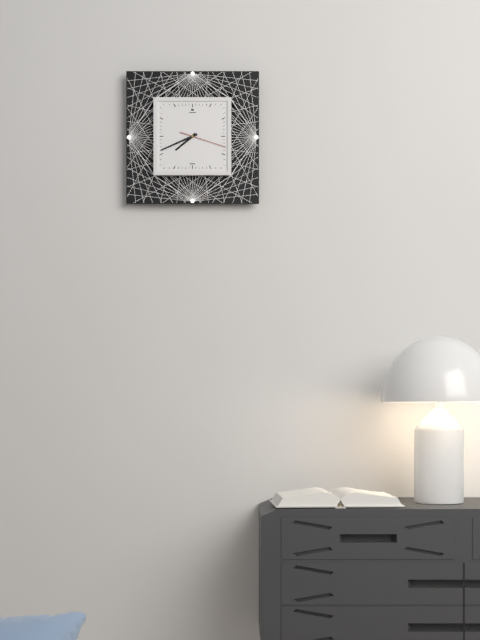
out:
{"hour": 7, "minute": 41}
